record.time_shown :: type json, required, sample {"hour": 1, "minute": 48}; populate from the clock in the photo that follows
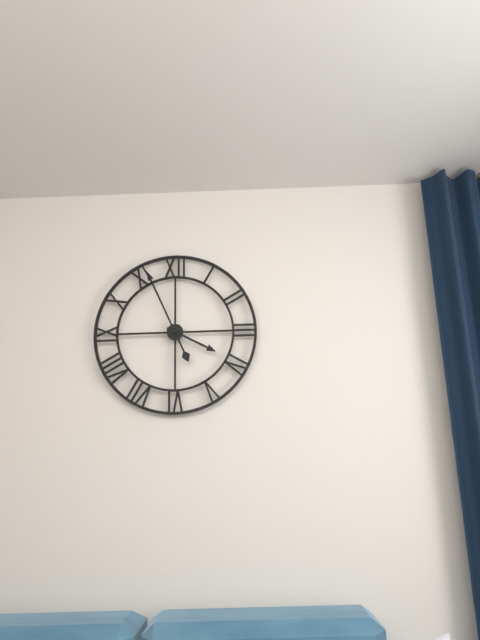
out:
{"hour": 3, "minute": 56}
